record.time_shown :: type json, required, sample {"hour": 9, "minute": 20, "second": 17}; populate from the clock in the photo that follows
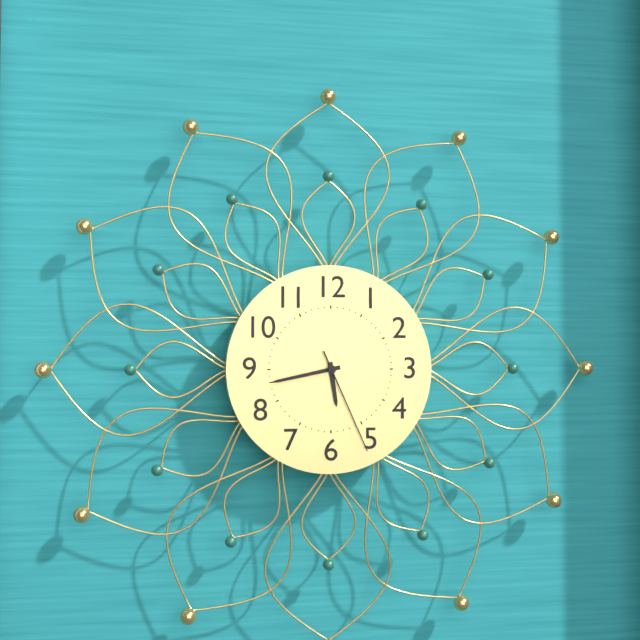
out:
{"hour": 5, "minute": 43, "second": 26}
